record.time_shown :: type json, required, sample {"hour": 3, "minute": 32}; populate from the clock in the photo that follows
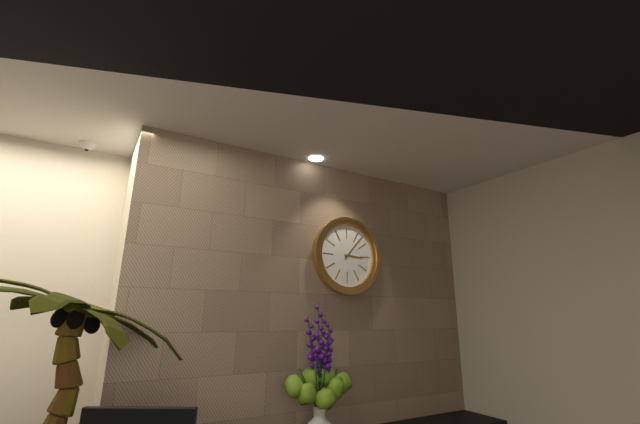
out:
{"hour": 3, "minute": 7}
